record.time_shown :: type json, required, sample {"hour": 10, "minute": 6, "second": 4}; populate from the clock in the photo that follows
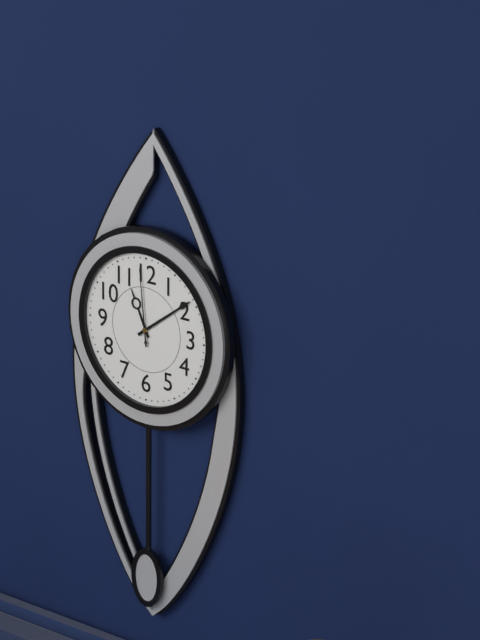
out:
{"hour": 11, "minute": 9, "second": 59}
